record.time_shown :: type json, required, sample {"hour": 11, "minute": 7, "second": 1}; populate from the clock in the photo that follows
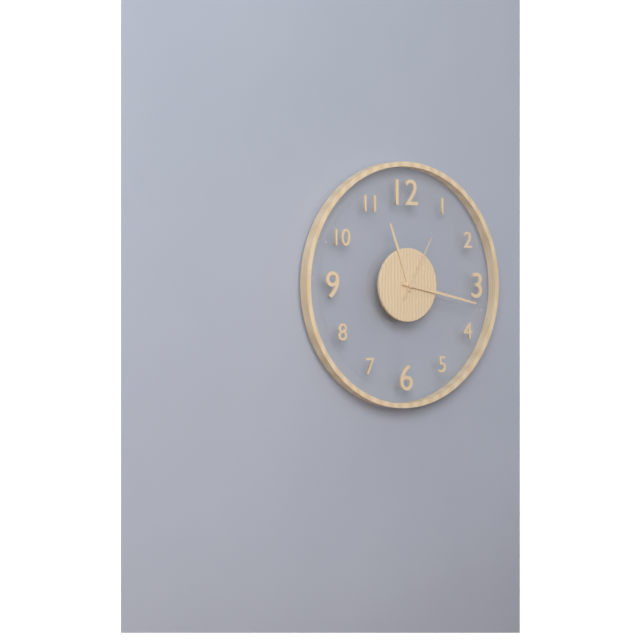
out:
{"hour": 11, "minute": 17, "second": 5}
